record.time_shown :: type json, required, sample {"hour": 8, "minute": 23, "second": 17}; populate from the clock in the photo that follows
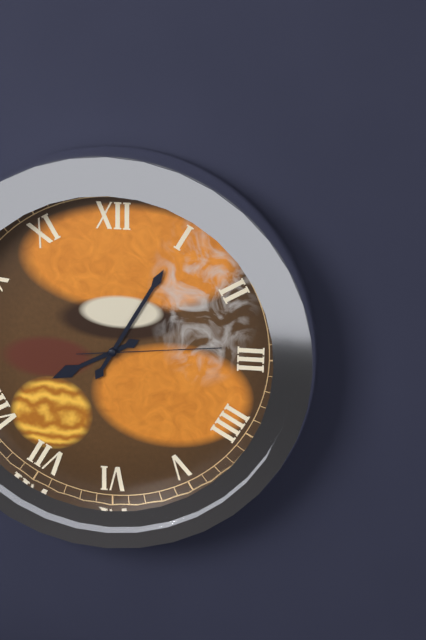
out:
{"hour": 8, "minute": 5, "second": 14}
